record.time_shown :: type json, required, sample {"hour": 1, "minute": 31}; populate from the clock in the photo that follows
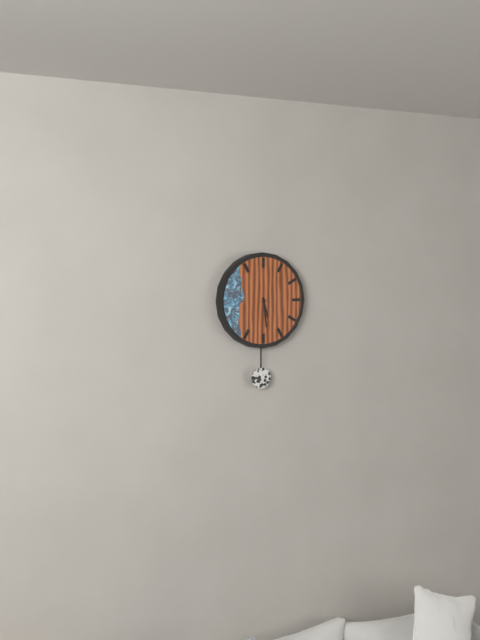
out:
{"hour": 5, "minute": 29}
